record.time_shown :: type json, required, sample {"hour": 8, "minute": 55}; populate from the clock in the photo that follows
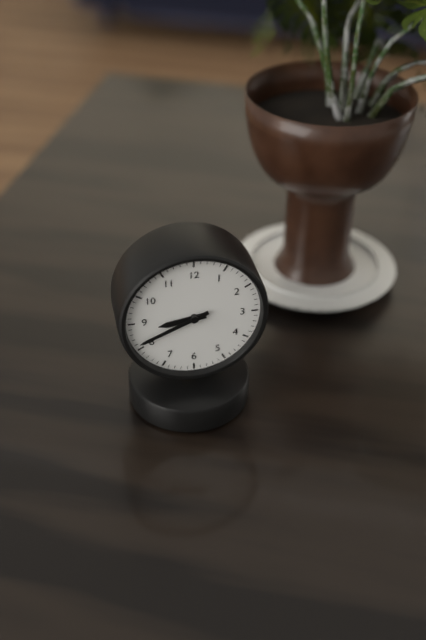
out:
{"hour": 8, "minute": 41}
